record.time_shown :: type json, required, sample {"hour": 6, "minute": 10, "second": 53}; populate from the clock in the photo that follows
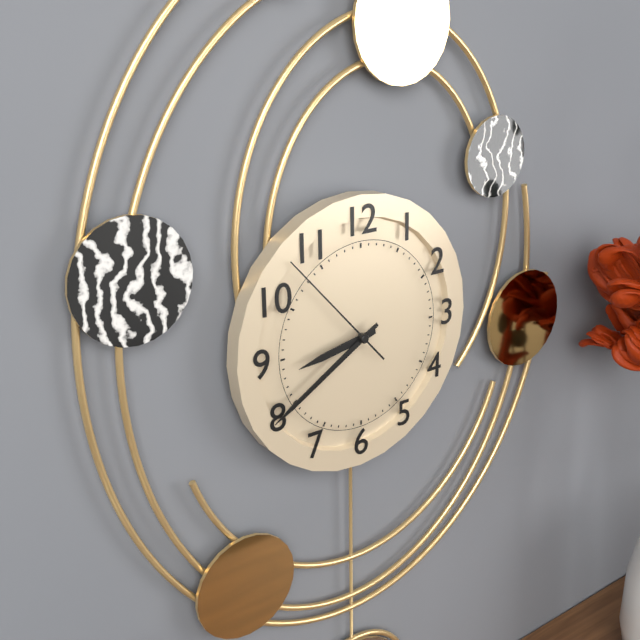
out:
{"hour": 8, "minute": 40, "second": 53}
